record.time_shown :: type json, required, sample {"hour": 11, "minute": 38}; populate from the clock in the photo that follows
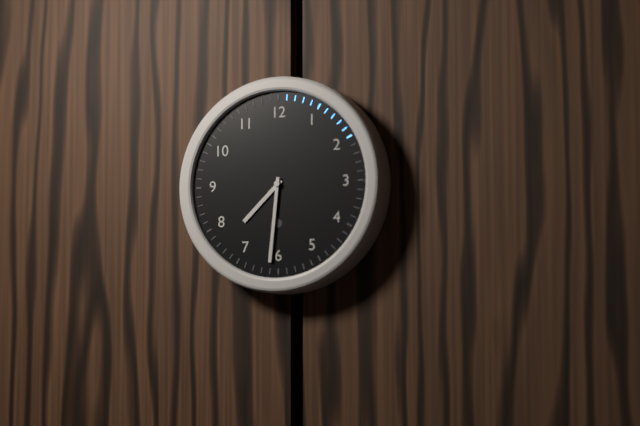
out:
{"hour": 7, "minute": 31}
